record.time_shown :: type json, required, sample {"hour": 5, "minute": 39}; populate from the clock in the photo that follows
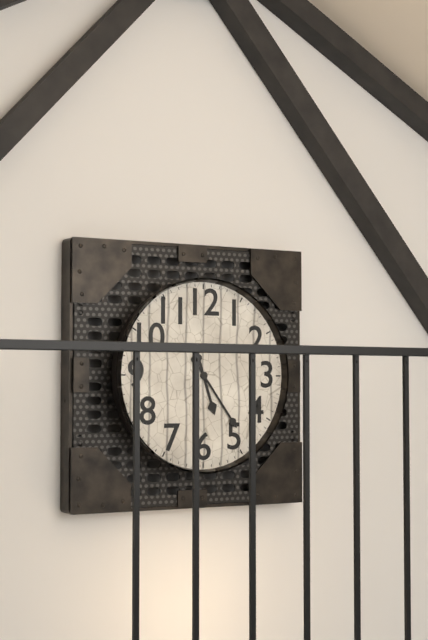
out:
{"hour": 5, "minute": 24}
